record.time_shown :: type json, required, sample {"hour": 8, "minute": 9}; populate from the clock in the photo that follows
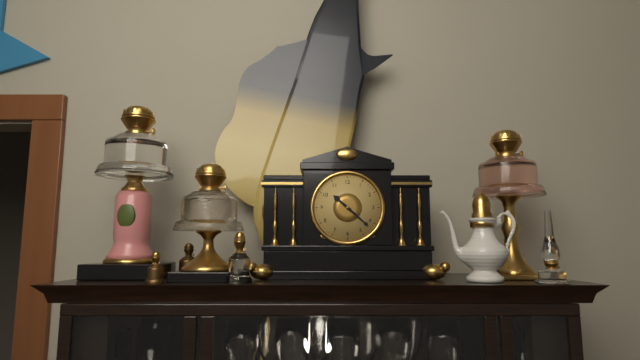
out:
{"hour": 10, "minute": 22}
